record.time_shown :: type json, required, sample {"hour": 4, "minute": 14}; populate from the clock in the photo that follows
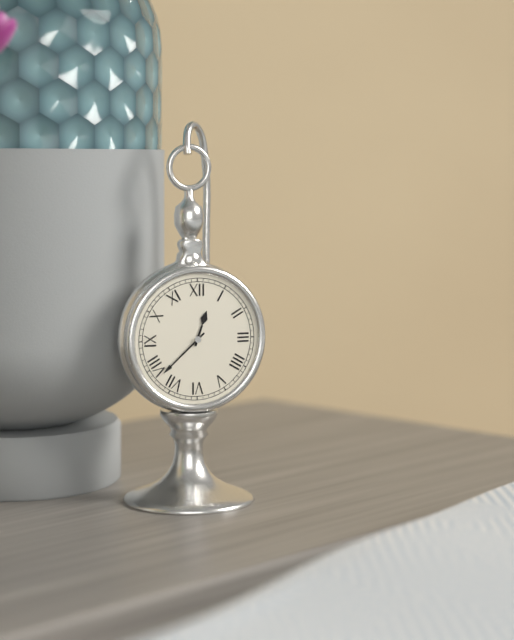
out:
{"hour": 12, "minute": 38}
